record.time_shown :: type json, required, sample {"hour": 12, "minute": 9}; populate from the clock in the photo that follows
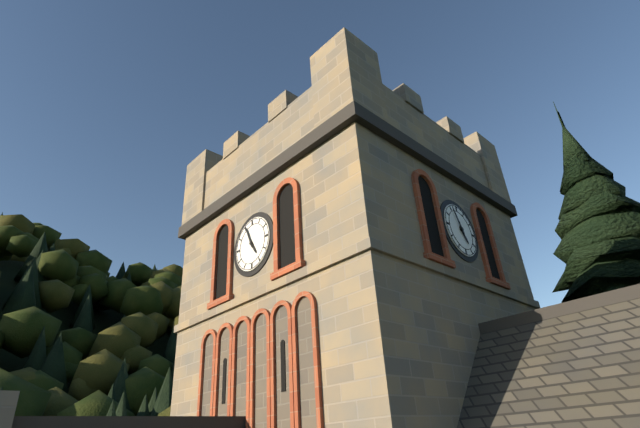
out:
{"hour": 4, "minute": 56}
